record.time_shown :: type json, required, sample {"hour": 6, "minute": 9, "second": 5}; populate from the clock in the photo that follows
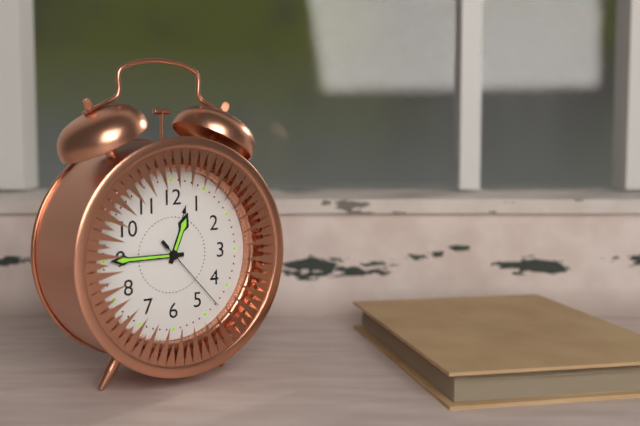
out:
{"hour": 12, "minute": 45, "second": 23}
